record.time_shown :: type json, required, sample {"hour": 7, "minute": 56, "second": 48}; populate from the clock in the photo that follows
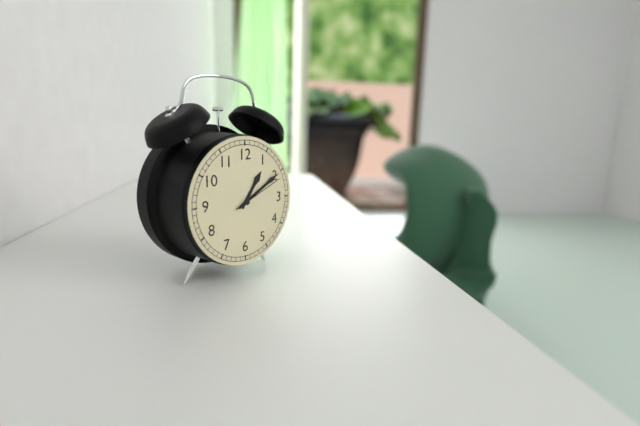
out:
{"hour": 1, "minute": 10, "second": 11}
